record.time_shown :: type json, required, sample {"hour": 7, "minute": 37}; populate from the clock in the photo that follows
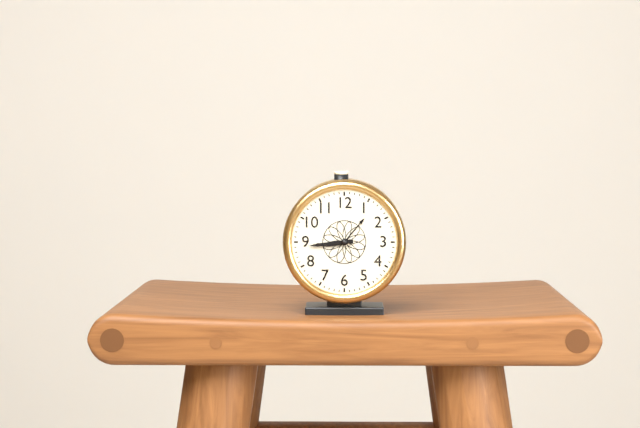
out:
{"hour": 8, "minute": 44}
